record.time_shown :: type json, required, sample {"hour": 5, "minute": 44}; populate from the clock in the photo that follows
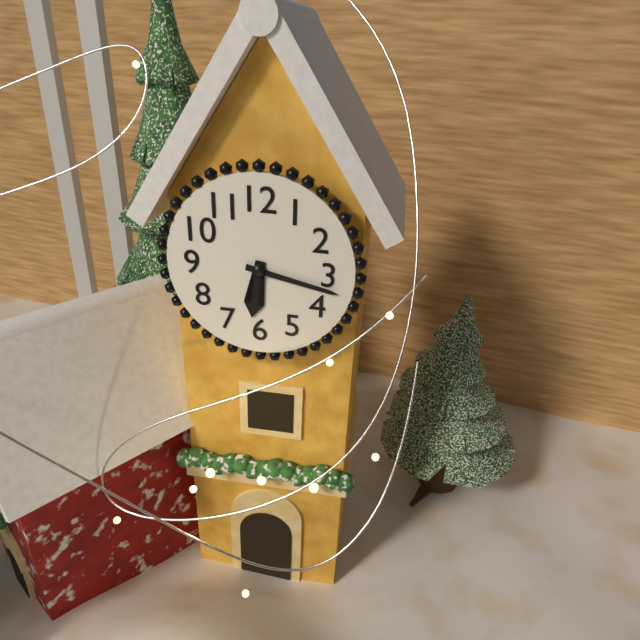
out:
{"hour": 6, "minute": 17}
